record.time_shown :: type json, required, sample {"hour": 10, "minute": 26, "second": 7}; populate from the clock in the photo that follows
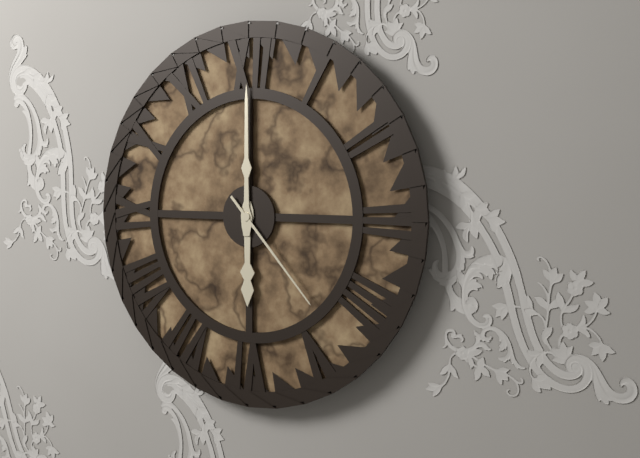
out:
{"hour": 6, "minute": 0, "second": 23}
